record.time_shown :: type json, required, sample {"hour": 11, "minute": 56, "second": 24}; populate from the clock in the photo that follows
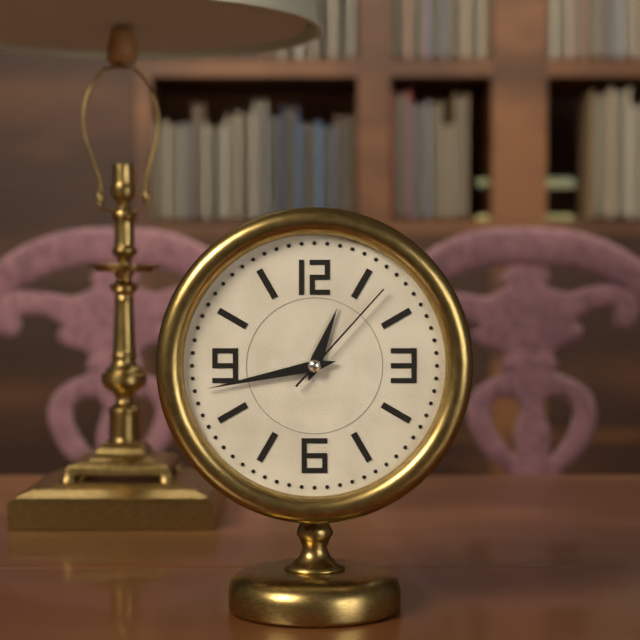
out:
{"hour": 12, "minute": 43, "second": 7}
